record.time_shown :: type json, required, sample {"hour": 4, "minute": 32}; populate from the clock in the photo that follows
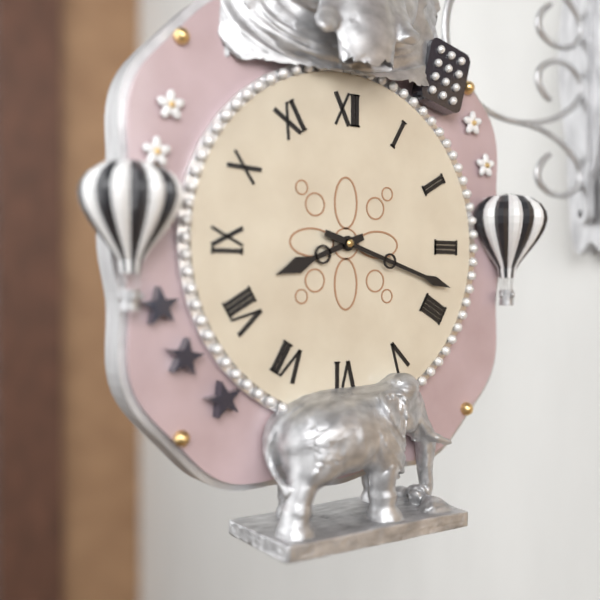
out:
{"hour": 8, "minute": 18}
